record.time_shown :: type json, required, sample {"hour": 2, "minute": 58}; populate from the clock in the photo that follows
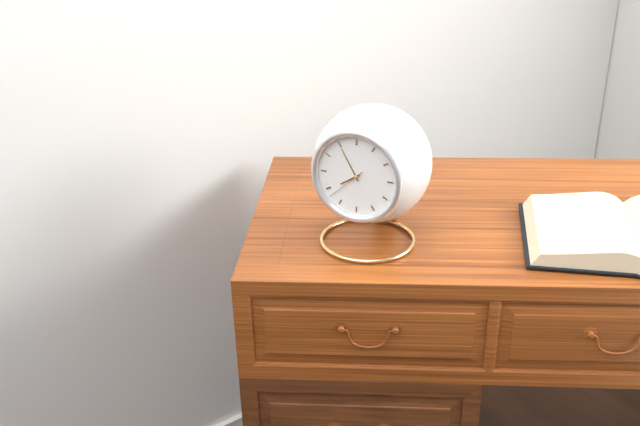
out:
{"hour": 7, "minute": 55}
